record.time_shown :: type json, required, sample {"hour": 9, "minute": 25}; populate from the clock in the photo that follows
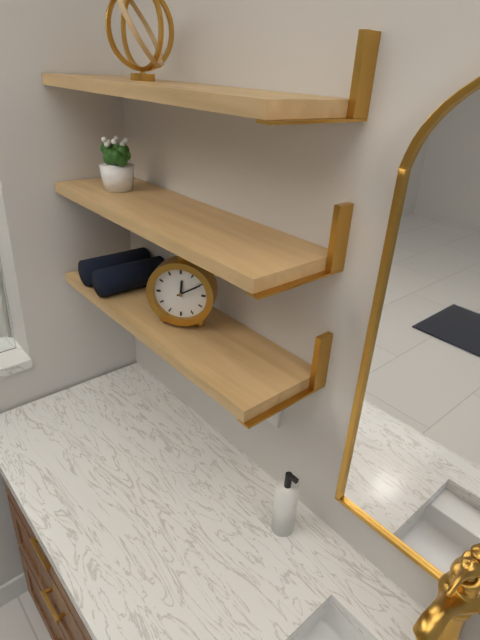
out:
{"hour": 12, "minute": 10}
